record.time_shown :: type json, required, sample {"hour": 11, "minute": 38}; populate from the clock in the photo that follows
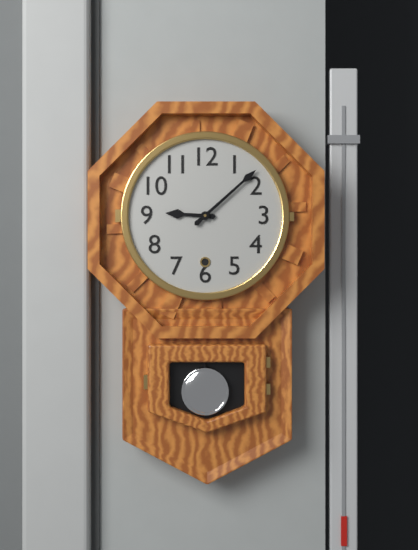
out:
{"hour": 9, "minute": 8}
